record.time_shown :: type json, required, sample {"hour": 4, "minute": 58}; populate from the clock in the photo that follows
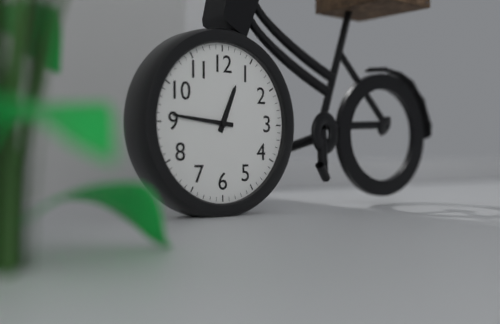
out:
{"hour": 12, "minute": 46}
